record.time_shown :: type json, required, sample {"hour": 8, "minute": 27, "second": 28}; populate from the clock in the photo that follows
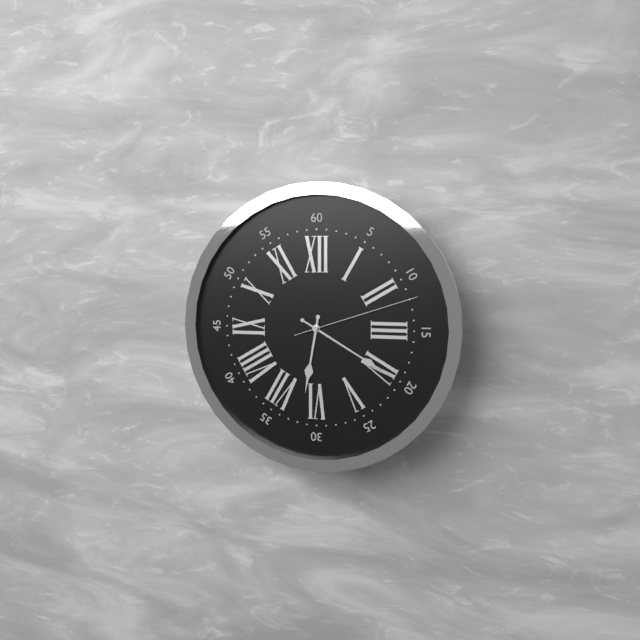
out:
{"hour": 6, "minute": 20, "second": 12}
